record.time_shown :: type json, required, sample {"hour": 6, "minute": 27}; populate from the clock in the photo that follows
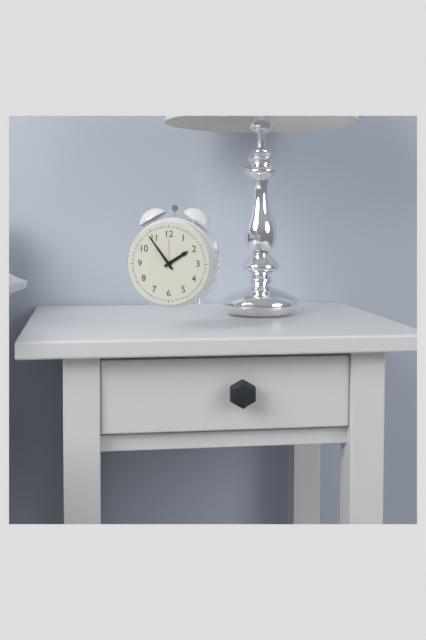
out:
{"hour": 1, "minute": 54}
